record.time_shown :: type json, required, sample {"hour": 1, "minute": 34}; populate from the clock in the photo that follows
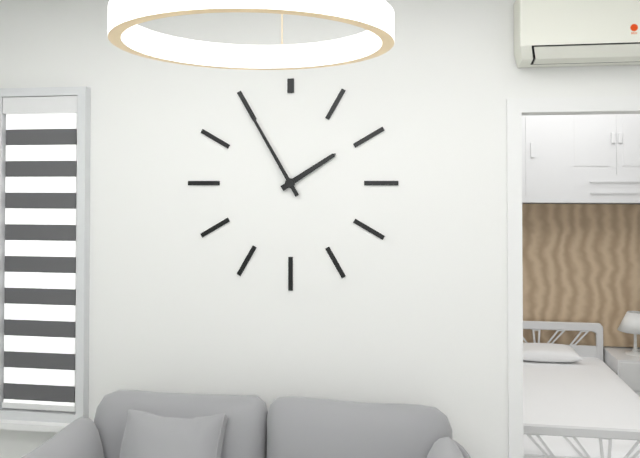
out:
{"hour": 1, "minute": 55}
